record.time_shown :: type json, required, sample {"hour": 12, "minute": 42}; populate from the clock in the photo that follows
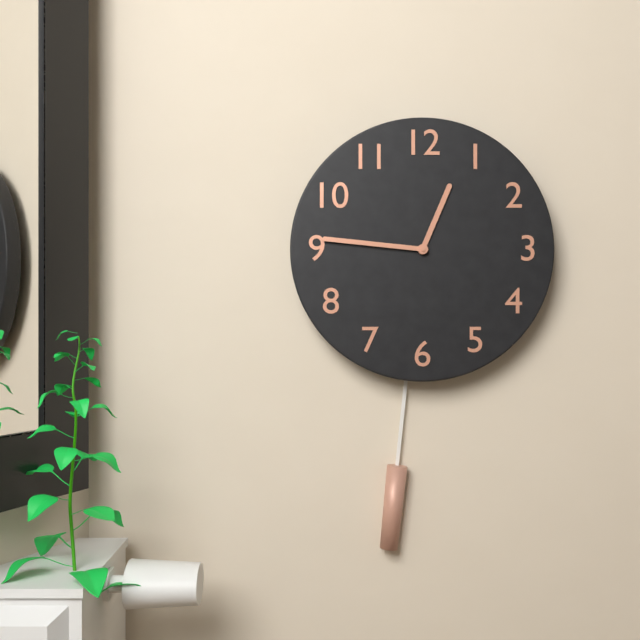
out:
{"hour": 12, "minute": 46}
